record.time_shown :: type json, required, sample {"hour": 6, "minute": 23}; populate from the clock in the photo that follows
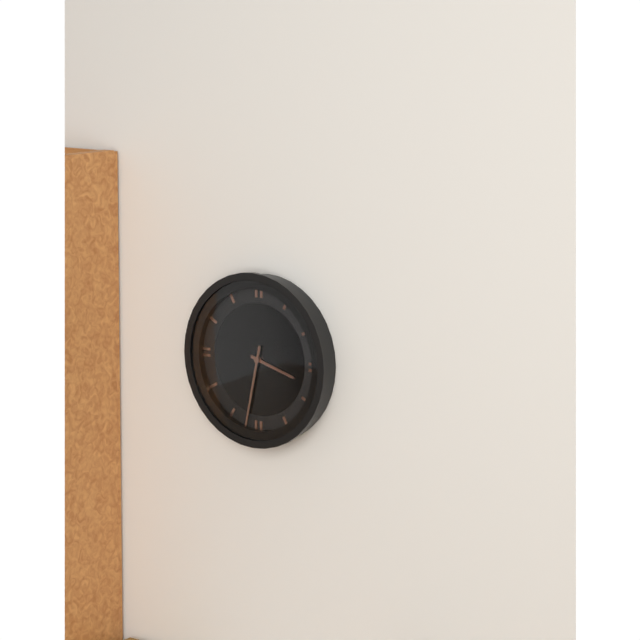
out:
{"hour": 3, "minute": 32}
